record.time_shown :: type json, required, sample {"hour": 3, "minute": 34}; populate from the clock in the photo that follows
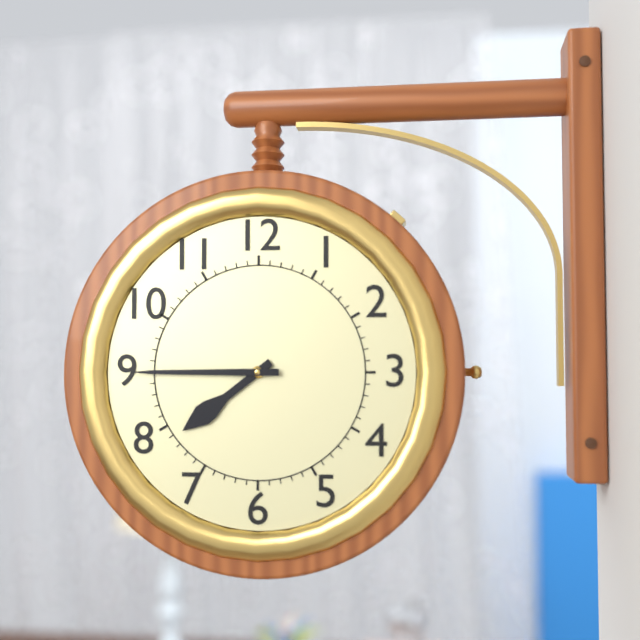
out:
{"hour": 7, "minute": 45}
